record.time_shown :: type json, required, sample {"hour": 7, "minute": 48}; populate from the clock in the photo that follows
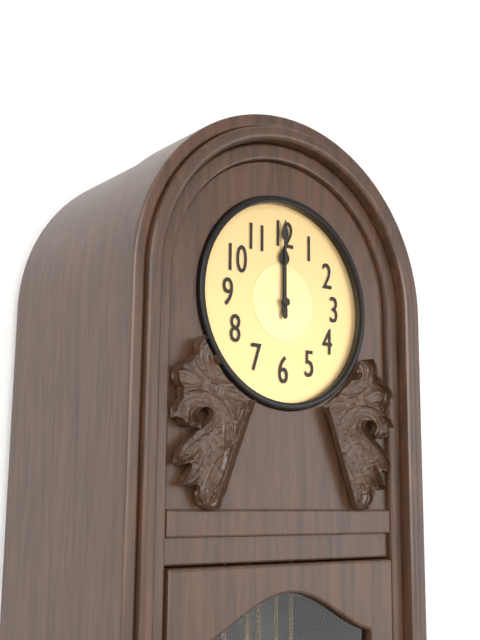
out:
{"hour": 12, "minute": 0}
